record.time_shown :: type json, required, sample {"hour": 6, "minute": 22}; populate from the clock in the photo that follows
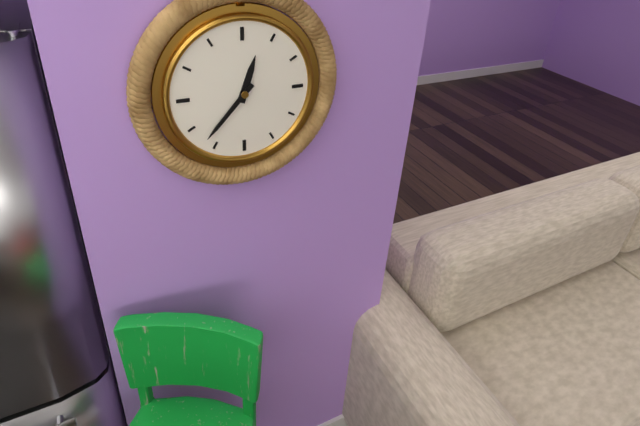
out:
{"hour": 12, "minute": 37}
